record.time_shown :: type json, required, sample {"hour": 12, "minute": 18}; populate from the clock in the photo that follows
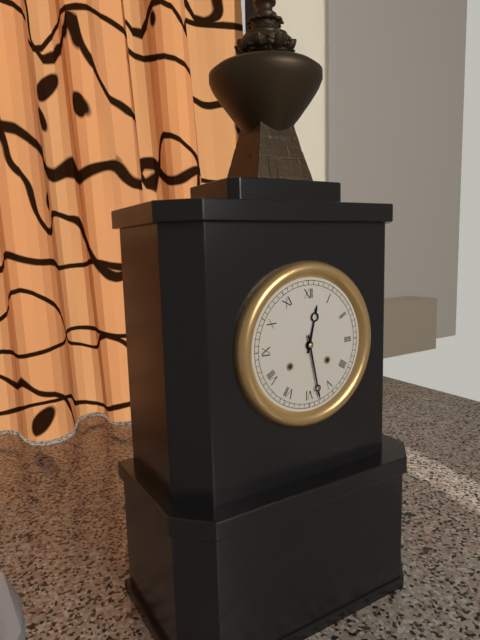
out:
{"hour": 12, "minute": 28}
